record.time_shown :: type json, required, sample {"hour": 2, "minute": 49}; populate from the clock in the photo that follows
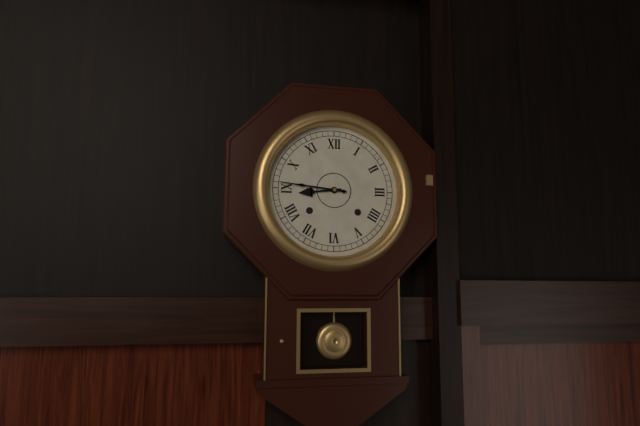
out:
{"hour": 8, "minute": 46}
